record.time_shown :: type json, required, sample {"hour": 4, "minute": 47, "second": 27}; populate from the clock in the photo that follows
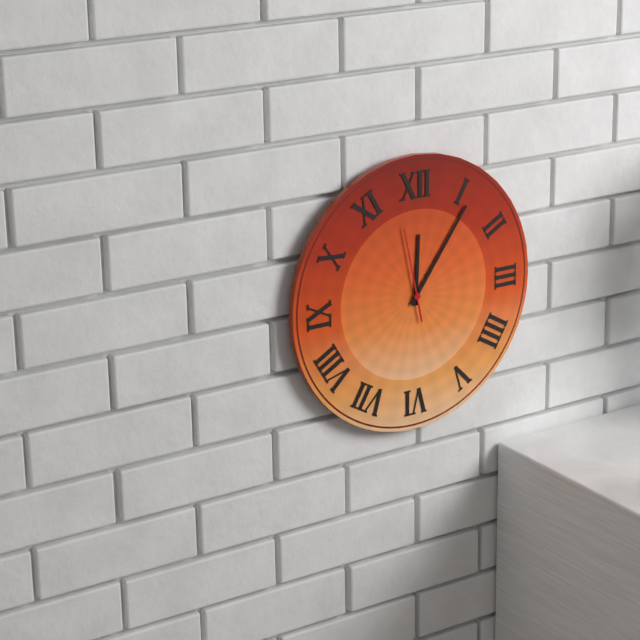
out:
{"hour": 12, "minute": 6, "second": 58}
